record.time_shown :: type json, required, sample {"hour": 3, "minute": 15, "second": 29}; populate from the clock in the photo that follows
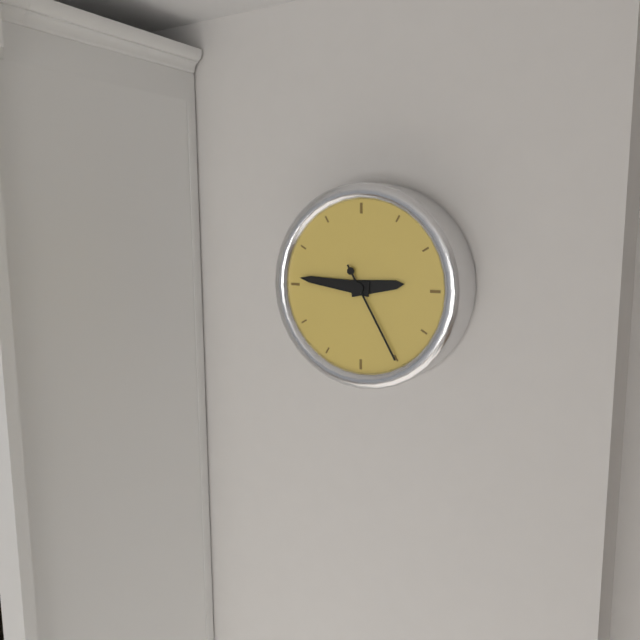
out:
{"hour": 2, "minute": 46, "second": 25}
